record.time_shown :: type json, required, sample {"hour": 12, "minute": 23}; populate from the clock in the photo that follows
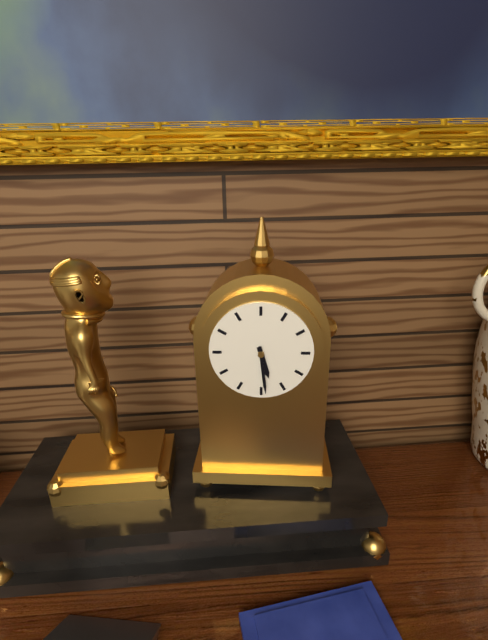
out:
{"hour": 5, "minute": 29}
